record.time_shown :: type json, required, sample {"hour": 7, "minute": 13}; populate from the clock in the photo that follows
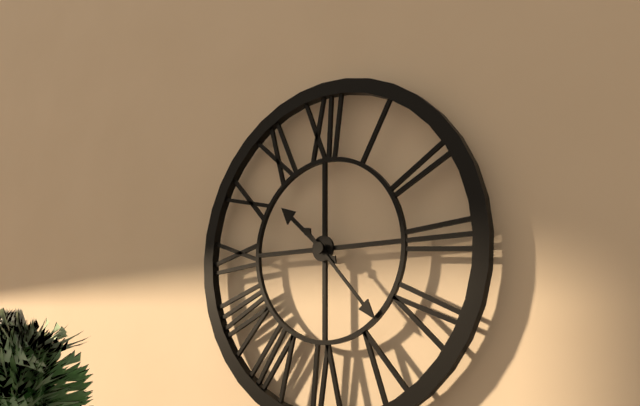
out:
{"hour": 10, "minute": 23}
